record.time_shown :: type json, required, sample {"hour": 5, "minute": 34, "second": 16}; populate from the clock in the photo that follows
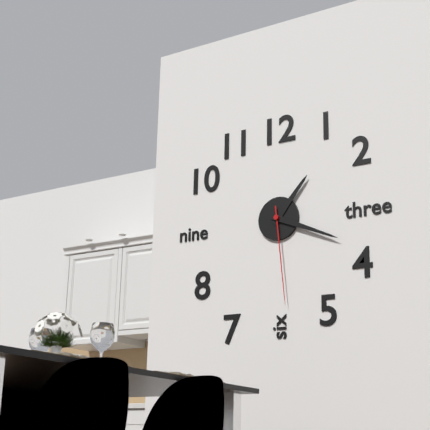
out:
{"hour": 1, "minute": 19, "second": 29}
